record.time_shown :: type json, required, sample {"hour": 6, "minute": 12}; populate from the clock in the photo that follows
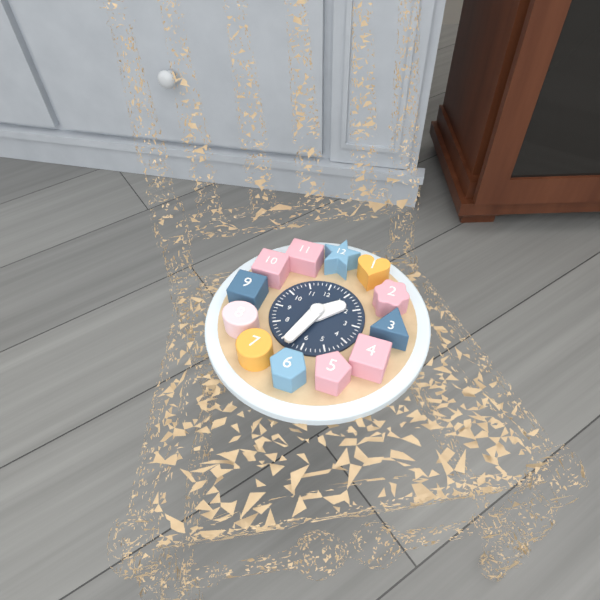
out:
{"hour": 1, "minute": 33}
